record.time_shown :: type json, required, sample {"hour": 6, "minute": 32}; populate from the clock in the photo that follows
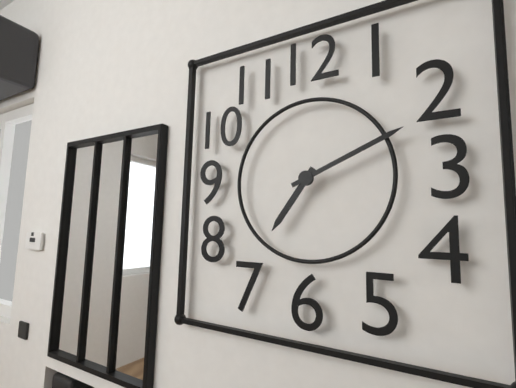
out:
{"hour": 7, "minute": 11}
